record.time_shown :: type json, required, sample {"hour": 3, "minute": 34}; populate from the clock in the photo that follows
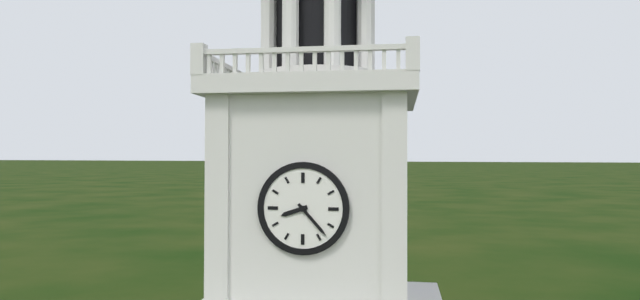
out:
{"hour": 8, "minute": 23}
